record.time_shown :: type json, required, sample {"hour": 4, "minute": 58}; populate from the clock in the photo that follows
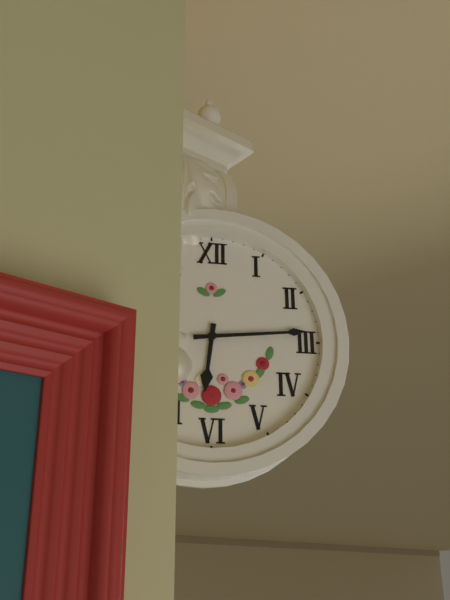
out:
{"hour": 6, "minute": 14}
